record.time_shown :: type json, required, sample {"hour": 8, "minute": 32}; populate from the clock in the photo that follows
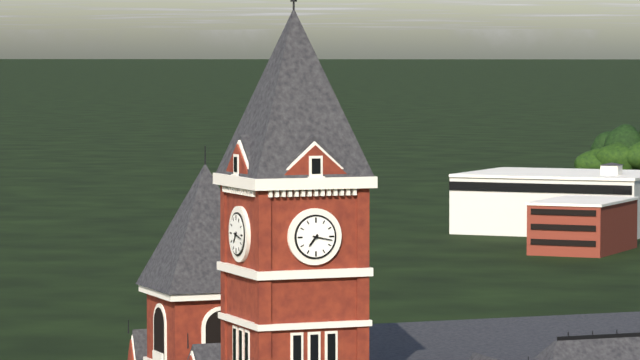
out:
{"hour": 7, "minute": 17}
